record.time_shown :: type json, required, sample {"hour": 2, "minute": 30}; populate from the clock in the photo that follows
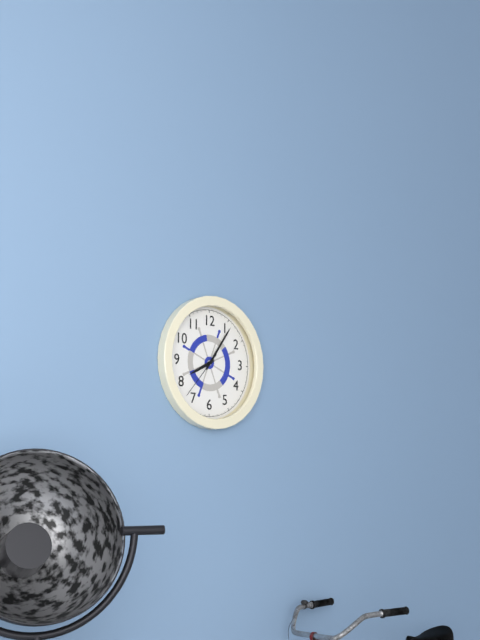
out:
{"hour": 8, "minute": 6}
